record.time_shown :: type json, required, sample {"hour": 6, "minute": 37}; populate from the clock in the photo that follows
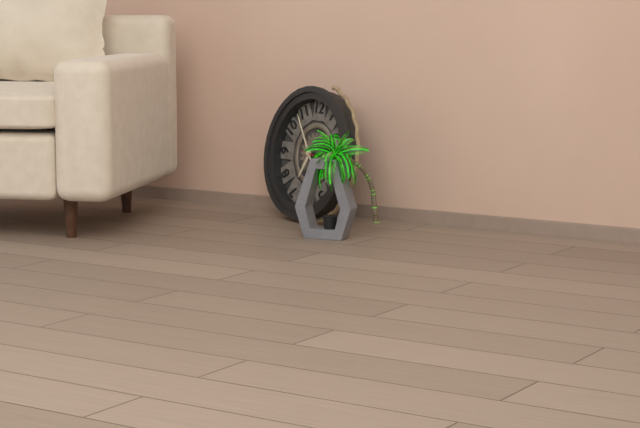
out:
{"hour": 6, "minute": 54}
